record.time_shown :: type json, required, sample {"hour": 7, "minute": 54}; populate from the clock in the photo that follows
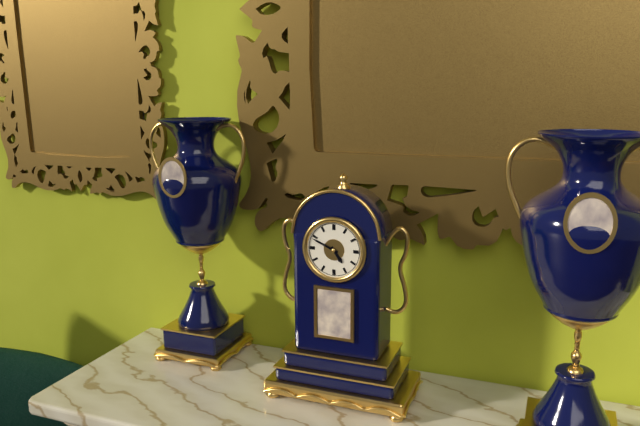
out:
{"hour": 4, "minute": 49}
